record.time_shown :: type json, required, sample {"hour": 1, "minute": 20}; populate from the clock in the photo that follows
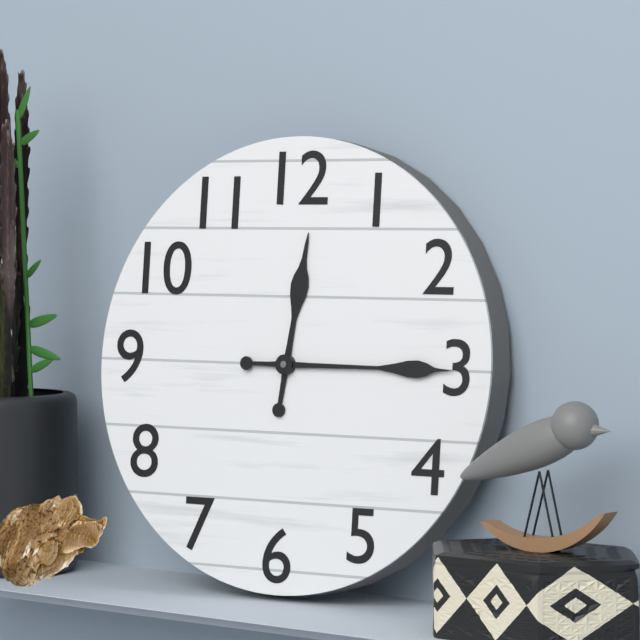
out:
{"hour": 12, "minute": 15}
